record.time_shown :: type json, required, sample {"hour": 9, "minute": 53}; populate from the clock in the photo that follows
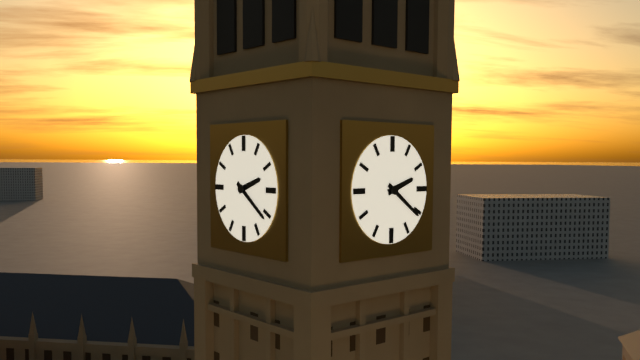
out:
{"hour": 2, "minute": 21}
